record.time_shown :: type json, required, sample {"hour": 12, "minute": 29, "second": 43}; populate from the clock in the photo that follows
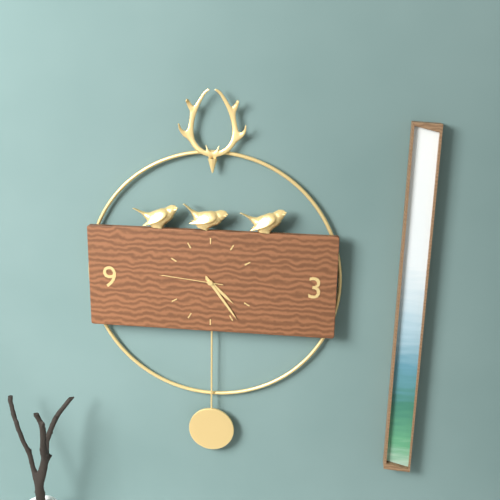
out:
{"hour": 4, "minute": 24, "second": 46}
